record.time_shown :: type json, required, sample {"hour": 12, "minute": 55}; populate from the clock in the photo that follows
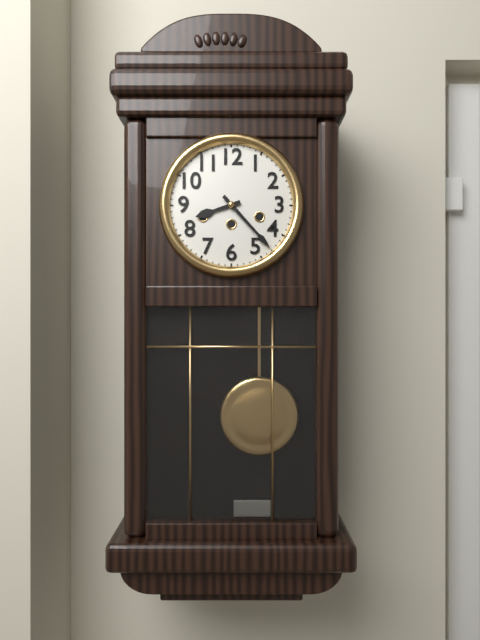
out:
{"hour": 8, "minute": 23}
